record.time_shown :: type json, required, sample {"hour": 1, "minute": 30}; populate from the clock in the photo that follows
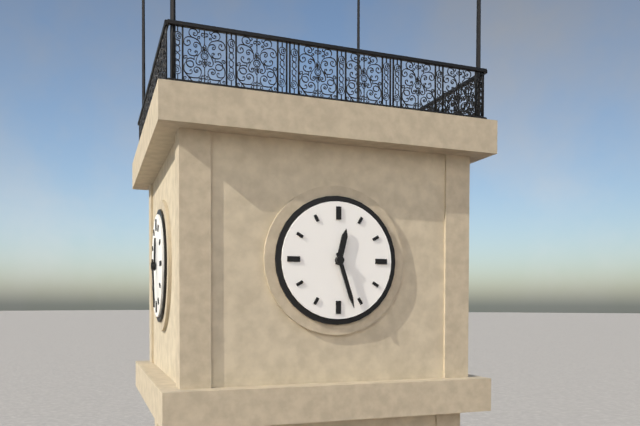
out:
{"hour": 12, "minute": 27}
